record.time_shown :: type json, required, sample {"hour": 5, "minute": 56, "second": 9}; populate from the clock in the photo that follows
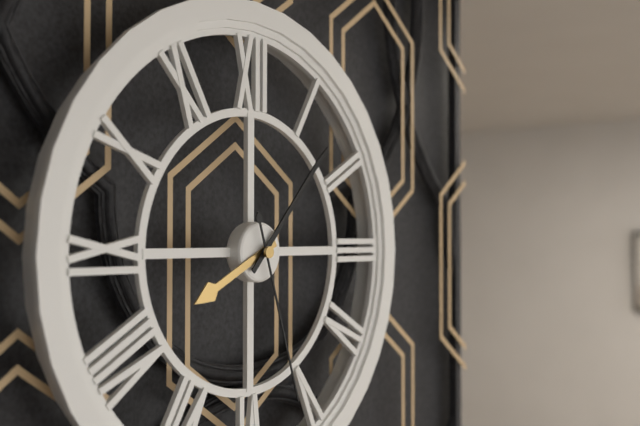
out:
{"hour": 8, "minute": 7, "second": 27}
